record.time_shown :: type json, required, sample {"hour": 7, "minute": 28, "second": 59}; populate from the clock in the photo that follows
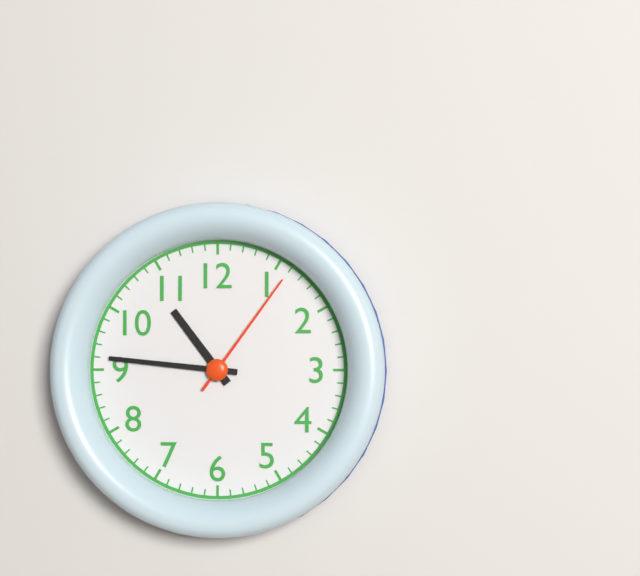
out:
{"hour": 10, "minute": 46, "second": 6}
